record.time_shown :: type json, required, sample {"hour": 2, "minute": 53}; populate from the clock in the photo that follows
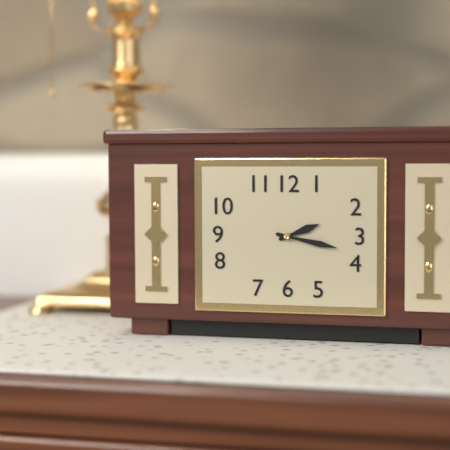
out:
{"hour": 2, "minute": 17}
